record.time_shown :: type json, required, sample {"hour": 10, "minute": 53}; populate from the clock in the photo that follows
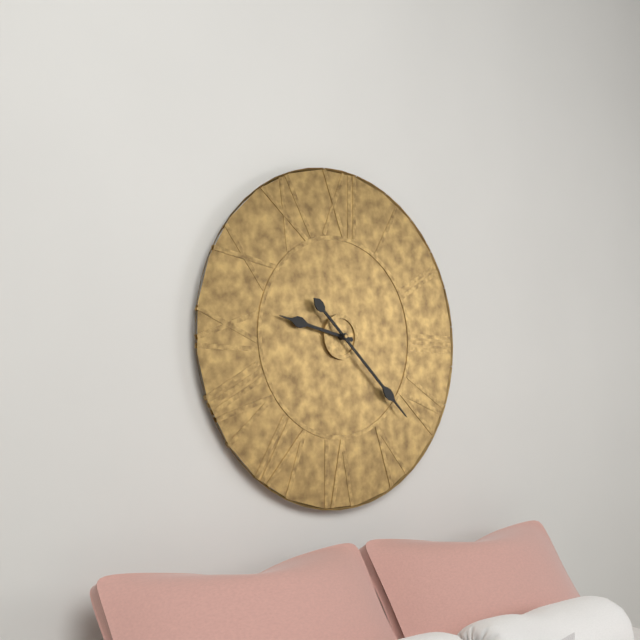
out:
{"hour": 9, "minute": 22}
